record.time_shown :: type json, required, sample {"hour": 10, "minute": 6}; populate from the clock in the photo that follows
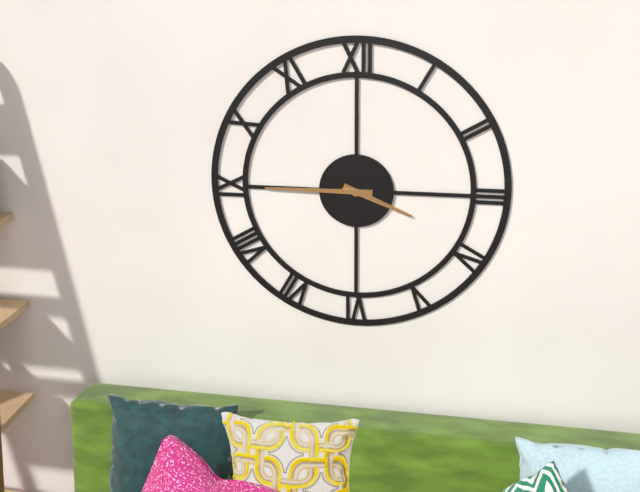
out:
{"hour": 3, "minute": 45}
